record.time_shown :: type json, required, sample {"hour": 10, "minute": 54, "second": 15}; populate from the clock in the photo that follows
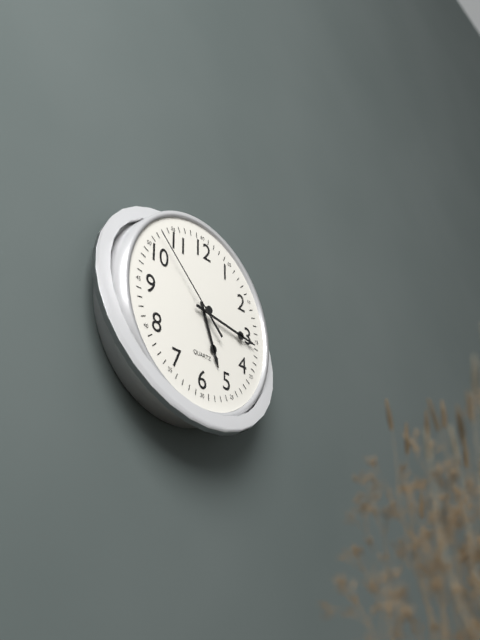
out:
{"hour": 5, "minute": 16, "second": 52}
